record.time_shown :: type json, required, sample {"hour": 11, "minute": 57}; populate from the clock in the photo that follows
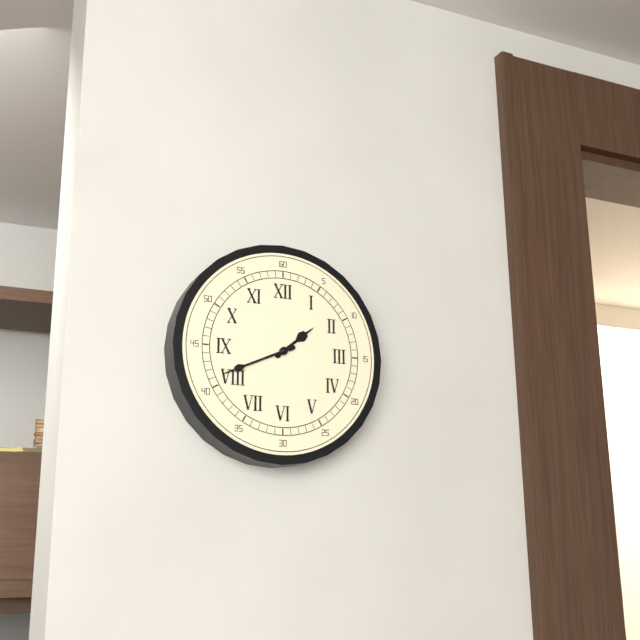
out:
{"hour": 1, "minute": 41}
